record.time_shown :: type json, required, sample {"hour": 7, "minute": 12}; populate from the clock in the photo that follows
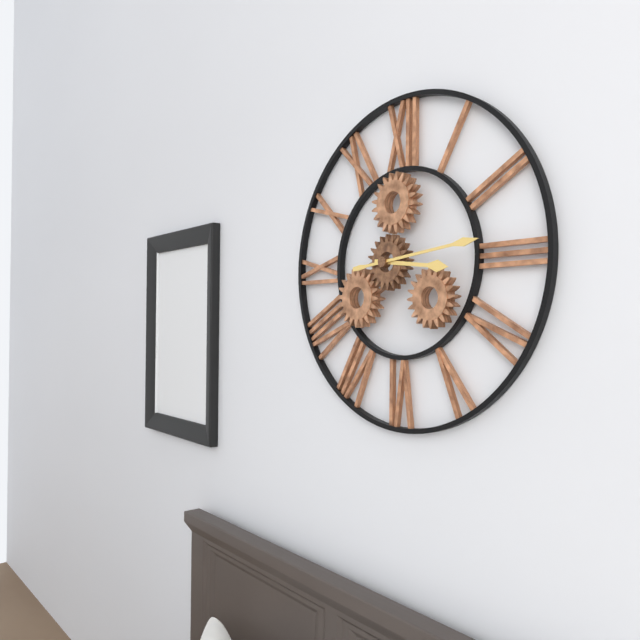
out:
{"hour": 3, "minute": 14}
